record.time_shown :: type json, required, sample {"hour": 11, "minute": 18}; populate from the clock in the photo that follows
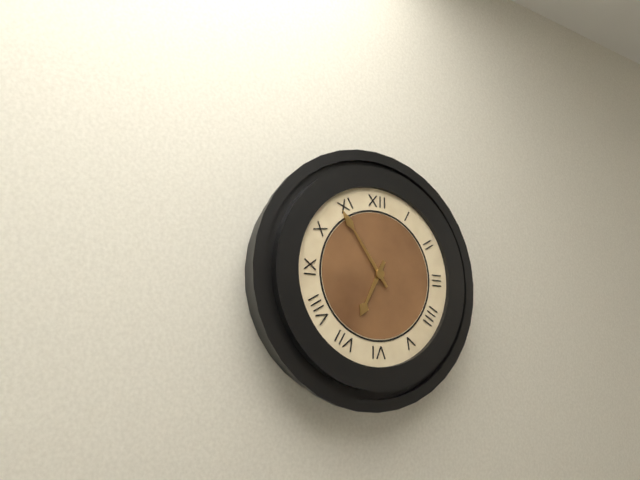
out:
{"hour": 6, "minute": 54}
